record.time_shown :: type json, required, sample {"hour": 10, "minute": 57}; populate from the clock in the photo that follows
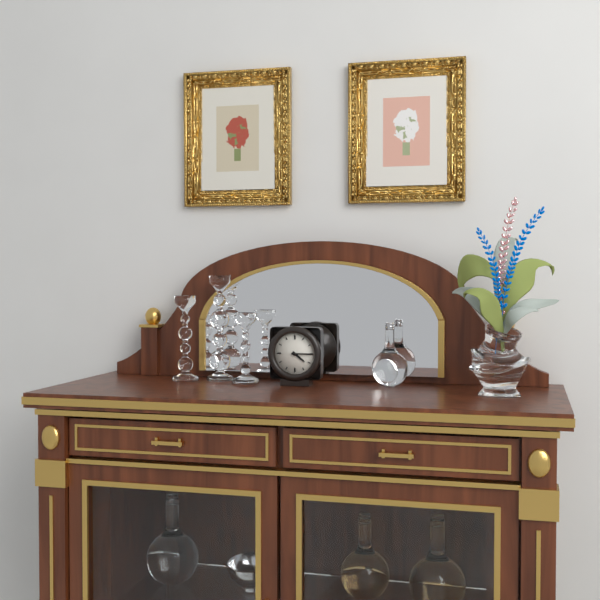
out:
{"hour": 4, "minute": 15}
